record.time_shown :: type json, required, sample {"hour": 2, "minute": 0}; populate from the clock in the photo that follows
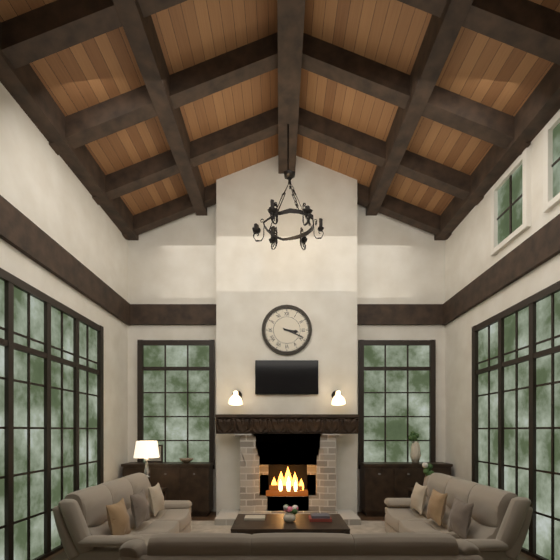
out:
{"hour": 3, "minute": 19}
